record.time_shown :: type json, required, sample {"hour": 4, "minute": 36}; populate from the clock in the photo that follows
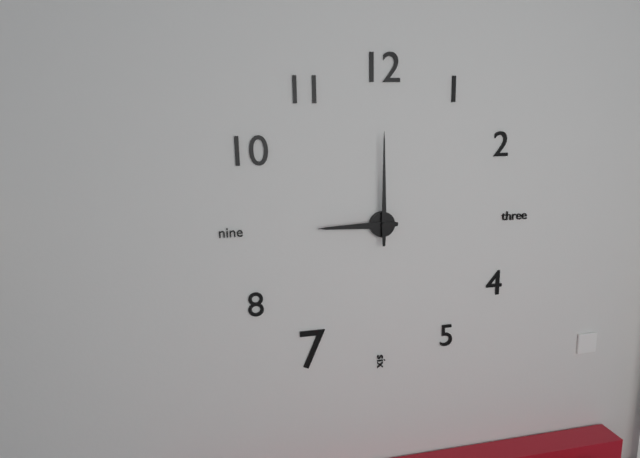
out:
{"hour": 9, "minute": 0}
